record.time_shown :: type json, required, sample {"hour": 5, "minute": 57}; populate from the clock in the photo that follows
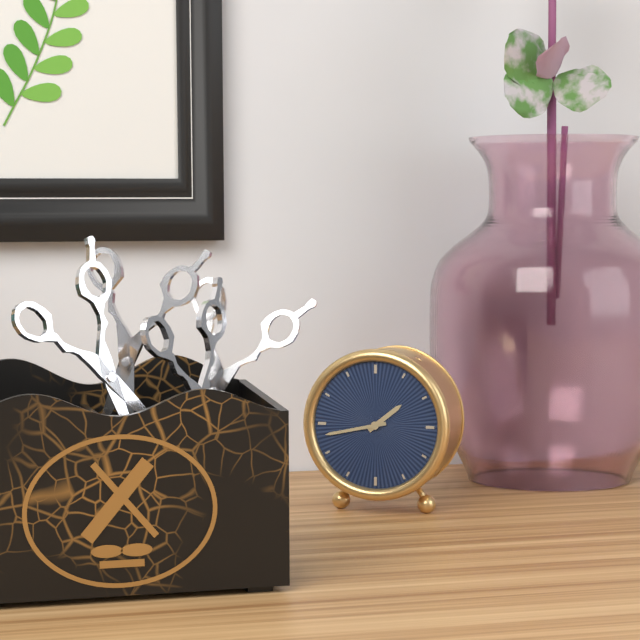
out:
{"hour": 1, "minute": 43}
